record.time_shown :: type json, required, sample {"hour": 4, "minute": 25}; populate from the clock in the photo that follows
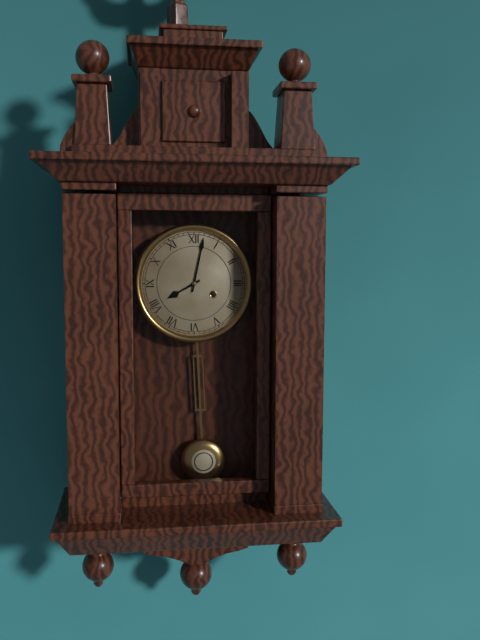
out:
{"hour": 8, "minute": 2}
